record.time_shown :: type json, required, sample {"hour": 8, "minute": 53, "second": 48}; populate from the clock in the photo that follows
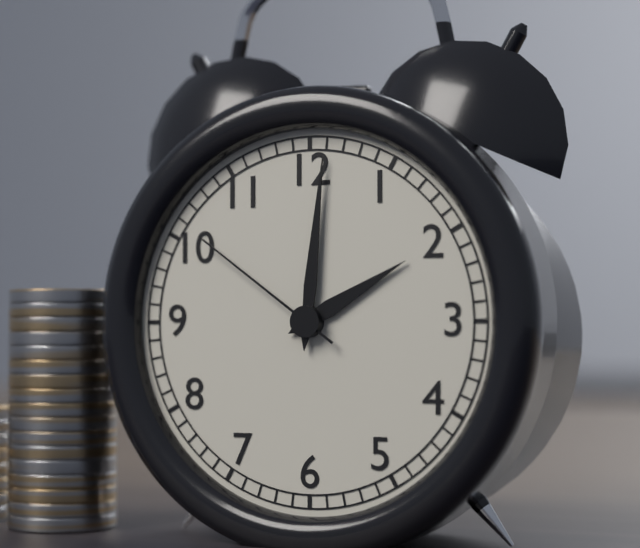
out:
{"hour": 2, "minute": 1, "second": 51}
